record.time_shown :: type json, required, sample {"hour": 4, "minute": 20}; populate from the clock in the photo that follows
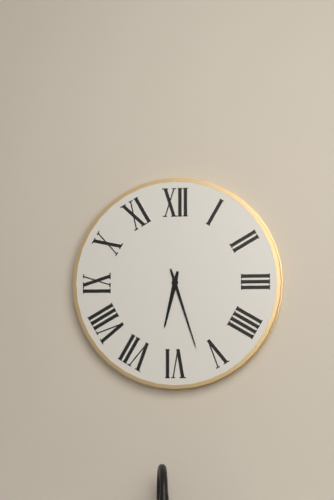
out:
{"hour": 6, "minute": 27}
